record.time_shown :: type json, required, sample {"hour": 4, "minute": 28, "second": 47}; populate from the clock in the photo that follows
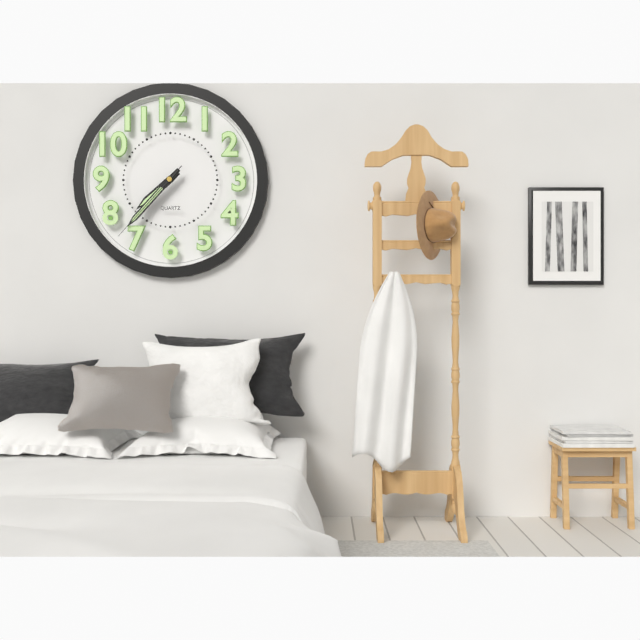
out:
{"hour": 7, "minute": 37, "second": 37}
